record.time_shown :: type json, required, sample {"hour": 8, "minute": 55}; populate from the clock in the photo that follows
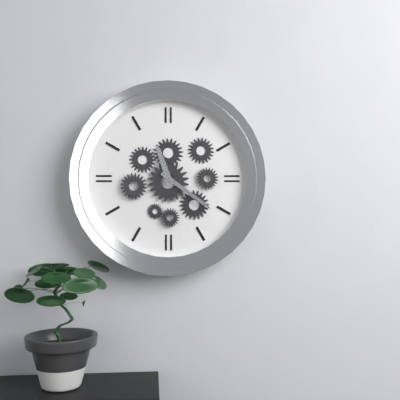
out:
{"hour": 11, "minute": 21}
